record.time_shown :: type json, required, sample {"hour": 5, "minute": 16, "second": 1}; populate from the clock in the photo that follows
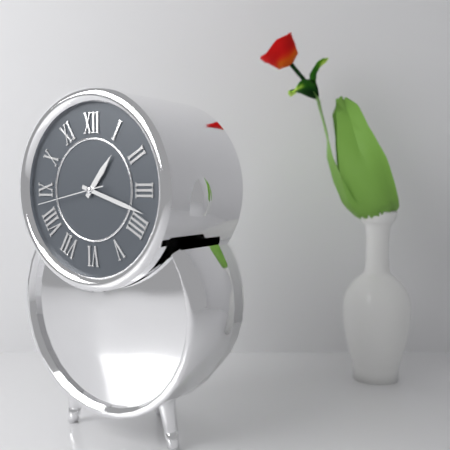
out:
{"hour": 1, "minute": 18, "second": 43}
